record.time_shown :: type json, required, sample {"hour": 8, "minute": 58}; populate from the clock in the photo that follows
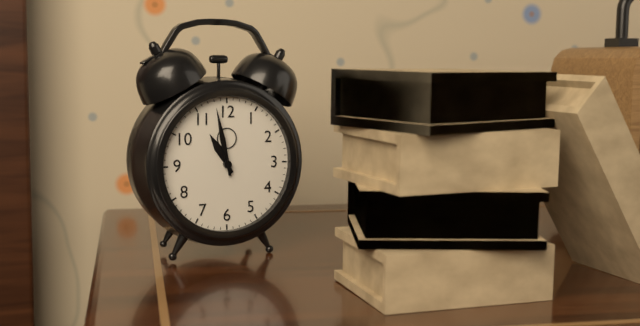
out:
{"hour": 10, "minute": 58}
